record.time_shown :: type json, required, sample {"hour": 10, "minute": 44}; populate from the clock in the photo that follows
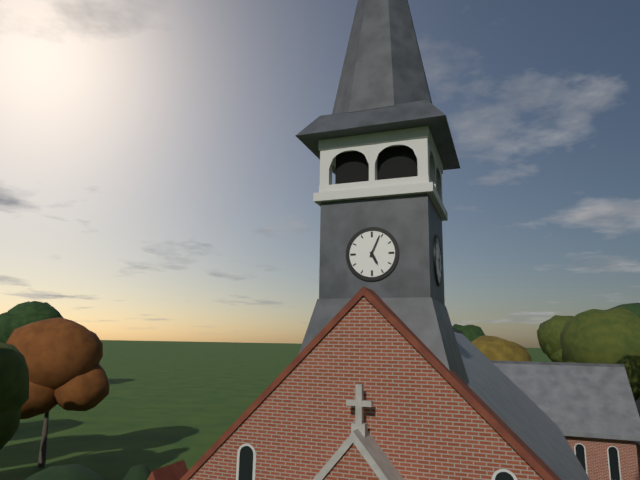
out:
{"hour": 5, "minute": 4}
